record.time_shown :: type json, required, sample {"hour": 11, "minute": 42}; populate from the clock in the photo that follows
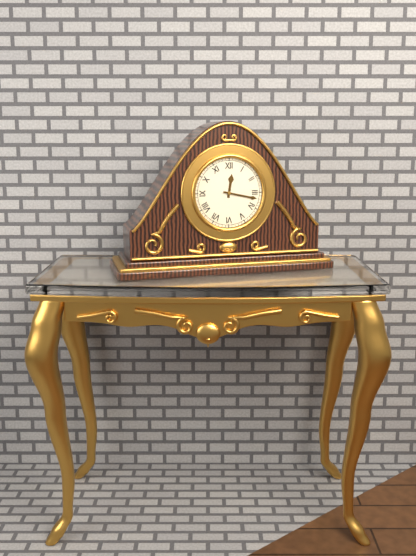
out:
{"hour": 12, "minute": 17}
